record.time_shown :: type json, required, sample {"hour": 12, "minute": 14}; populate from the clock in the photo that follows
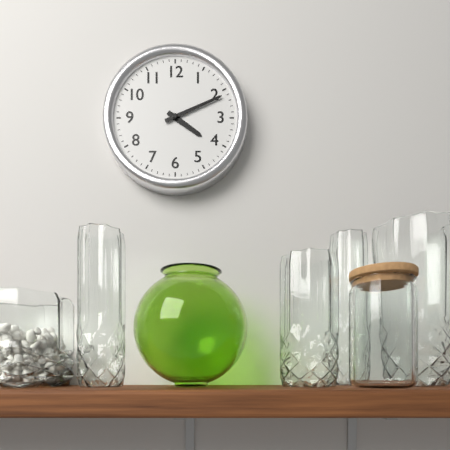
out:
{"hour": 4, "minute": 11}
